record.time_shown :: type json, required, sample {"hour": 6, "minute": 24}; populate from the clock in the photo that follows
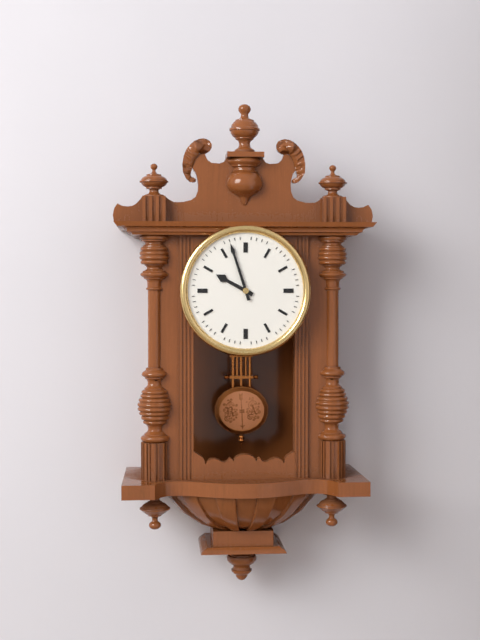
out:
{"hour": 9, "minute": 57}
